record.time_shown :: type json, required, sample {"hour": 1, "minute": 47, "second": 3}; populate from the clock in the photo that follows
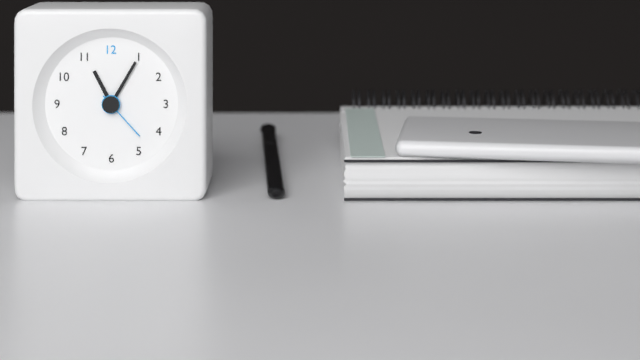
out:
{"hour": 11, "minute": 5, "second": 23}
